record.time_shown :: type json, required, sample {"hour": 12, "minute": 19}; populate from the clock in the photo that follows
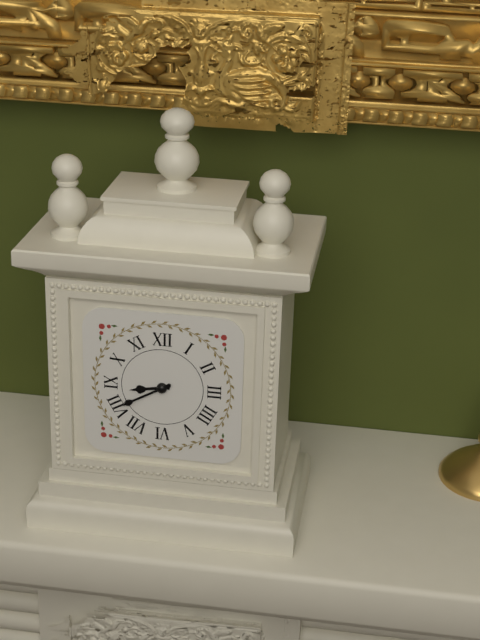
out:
{"hour": 8, "minute": 40}
